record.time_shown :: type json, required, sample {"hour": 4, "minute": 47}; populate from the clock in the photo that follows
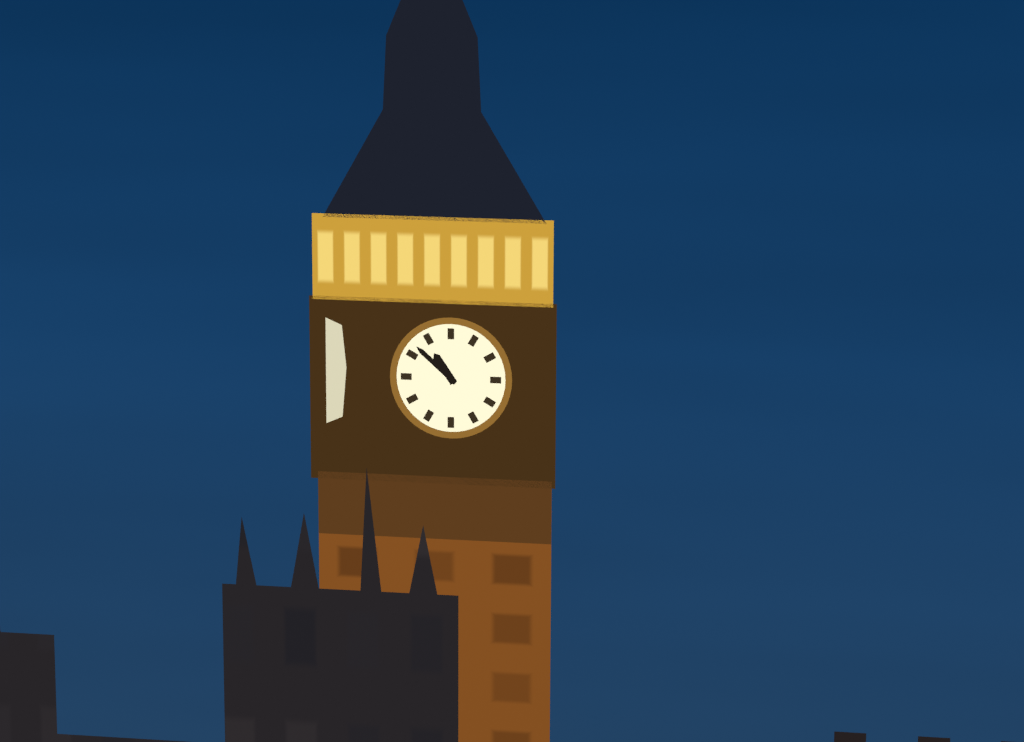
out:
{"hour": 10, "minute": 52}
